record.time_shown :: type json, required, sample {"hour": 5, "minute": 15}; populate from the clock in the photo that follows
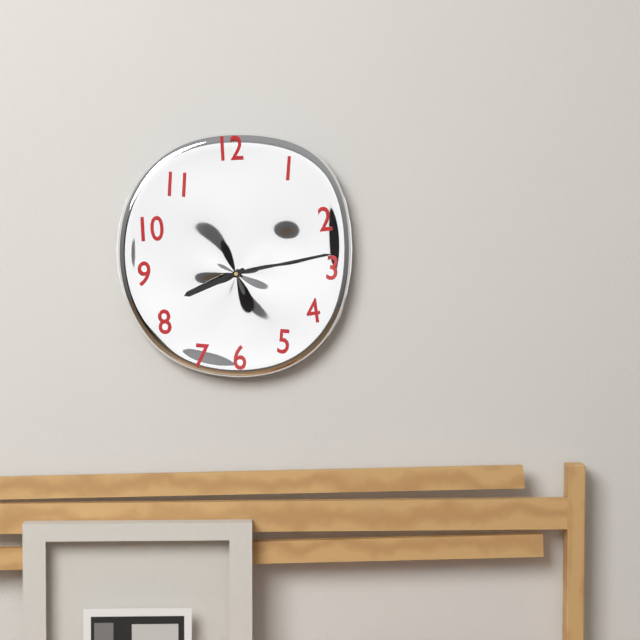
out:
{"hour": 8, "minute": 13}
